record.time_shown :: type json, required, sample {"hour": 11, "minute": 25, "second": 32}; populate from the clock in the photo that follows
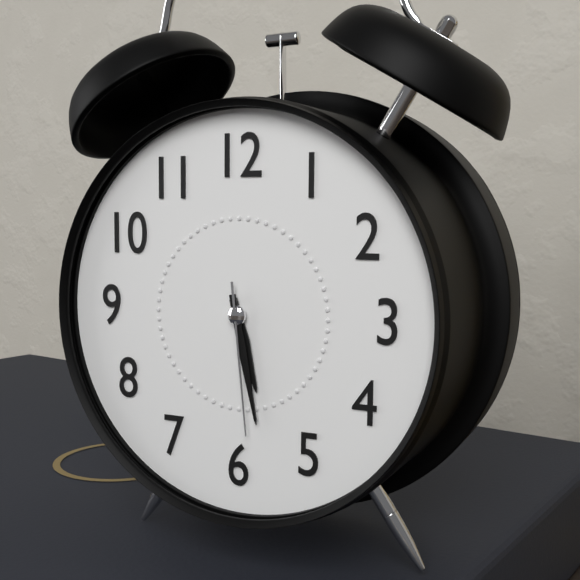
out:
{"hour": 5, "minute": 28, "second": 29}
